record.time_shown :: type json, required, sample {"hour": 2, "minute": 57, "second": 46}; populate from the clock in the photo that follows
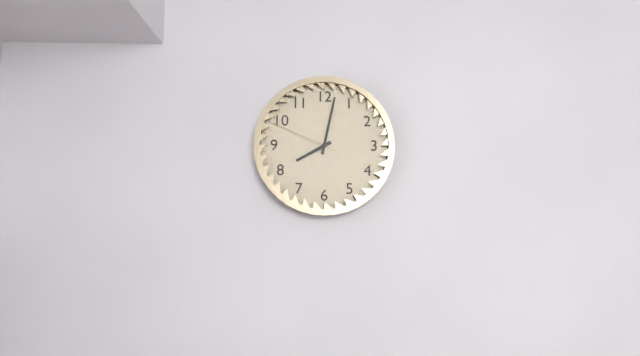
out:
{"hour": 8, "minute": 2, "second": 49}
